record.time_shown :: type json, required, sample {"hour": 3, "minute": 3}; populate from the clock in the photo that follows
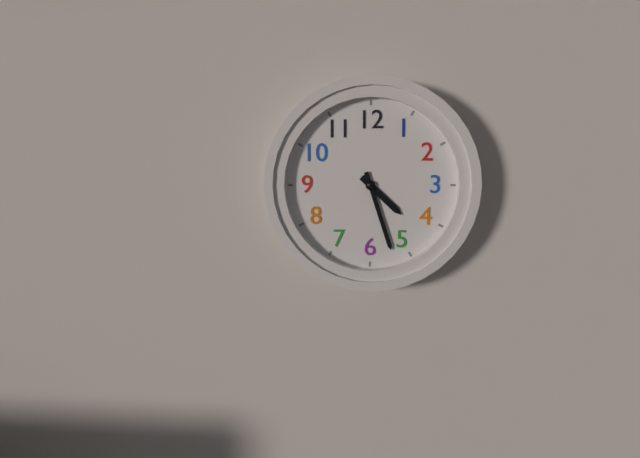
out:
{"hour": 4, "minute": 27}
